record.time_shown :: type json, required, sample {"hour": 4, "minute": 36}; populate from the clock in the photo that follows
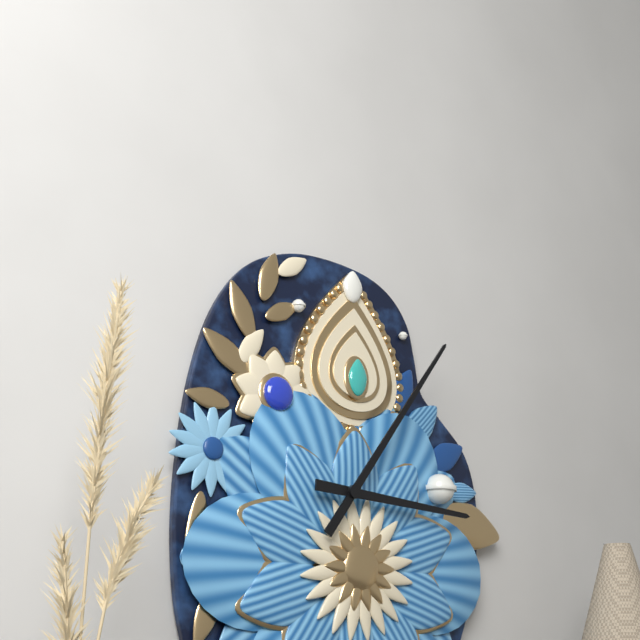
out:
{"hour": 3, "minute": 6}
